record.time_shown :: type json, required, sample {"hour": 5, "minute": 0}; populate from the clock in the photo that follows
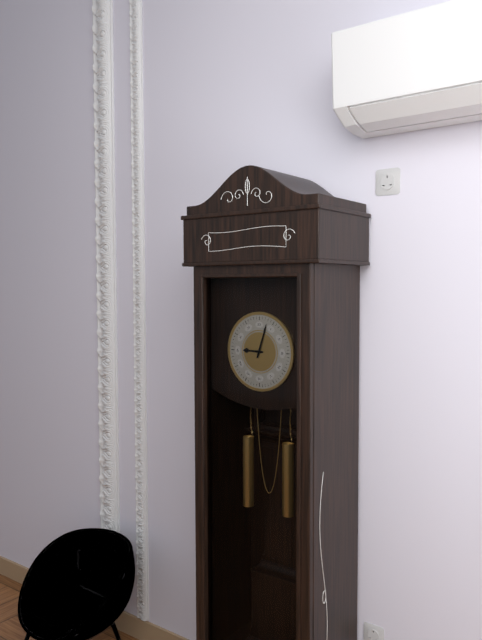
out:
{"hour": 9, "minute": 3}
